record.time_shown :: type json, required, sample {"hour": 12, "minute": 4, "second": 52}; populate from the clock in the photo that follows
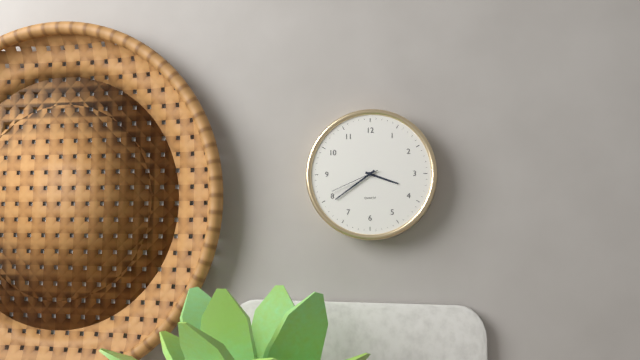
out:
{"hour": 3, "minute": 39, "second": 41}
